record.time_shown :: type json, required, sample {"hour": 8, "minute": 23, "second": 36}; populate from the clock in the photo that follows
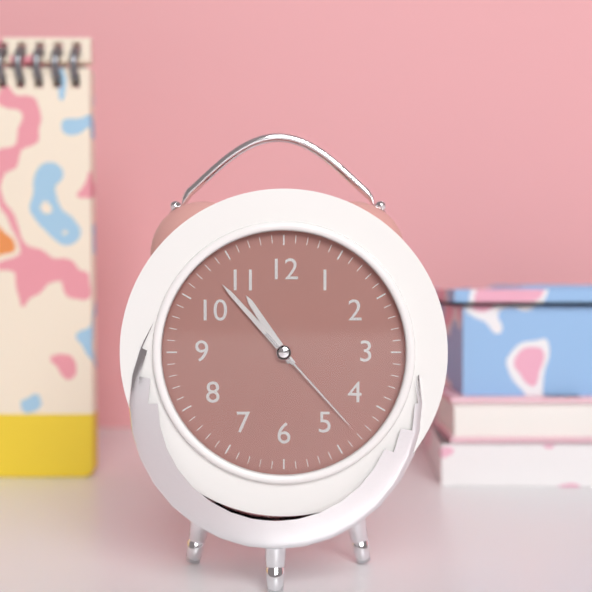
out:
{"hour": 10, "minute": 53, "second": 23}
